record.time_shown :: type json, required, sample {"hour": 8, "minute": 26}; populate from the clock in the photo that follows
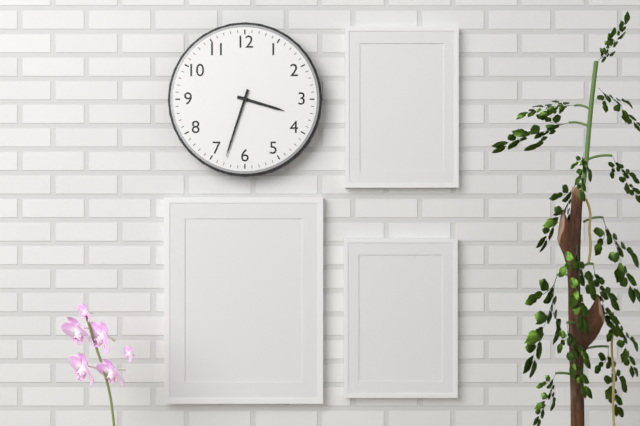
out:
{"hour": 3, "minute": 33}
